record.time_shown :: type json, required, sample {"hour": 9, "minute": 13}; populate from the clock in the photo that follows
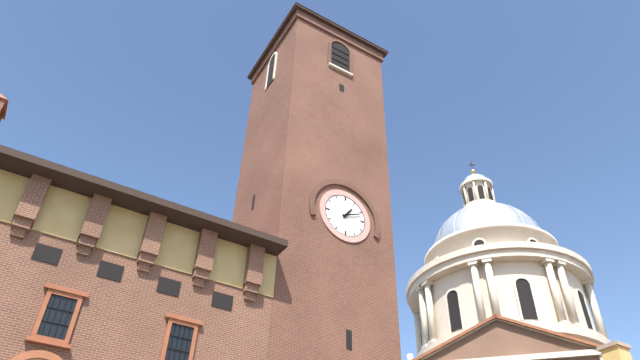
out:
{"hour": 1, "minute": 11}
